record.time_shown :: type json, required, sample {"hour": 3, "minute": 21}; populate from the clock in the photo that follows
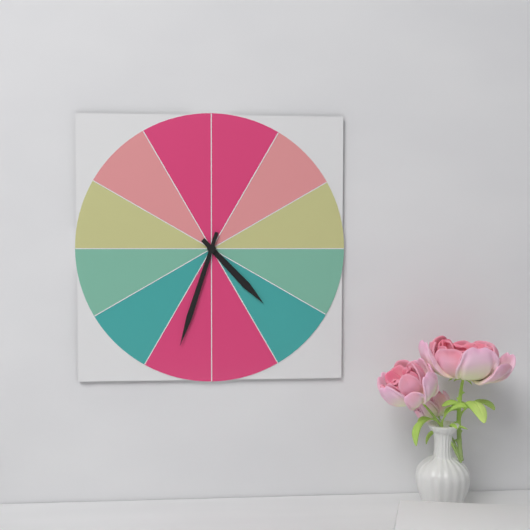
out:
{"hour": 4, "minute": 33}
